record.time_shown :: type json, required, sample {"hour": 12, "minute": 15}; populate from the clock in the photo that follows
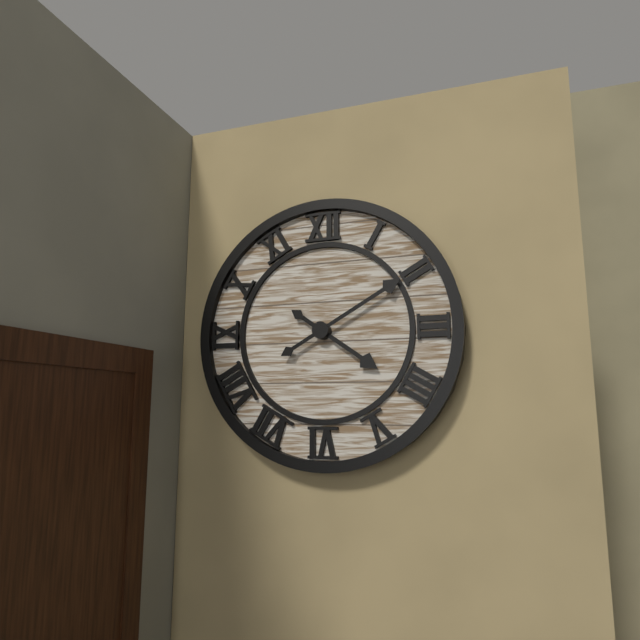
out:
{"hour": 4, "minute": 10}
